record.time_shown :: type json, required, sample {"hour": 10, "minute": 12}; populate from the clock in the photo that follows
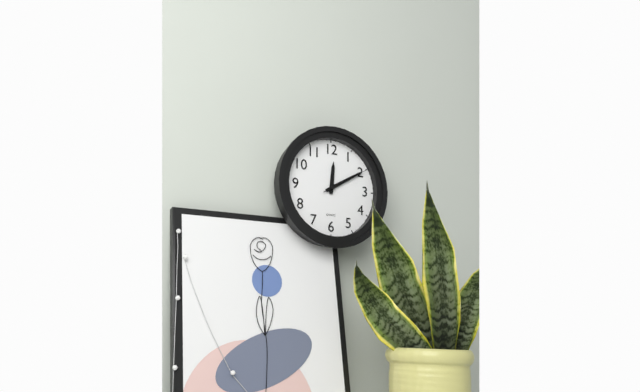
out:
{"hour": 12, "minute": 10}
